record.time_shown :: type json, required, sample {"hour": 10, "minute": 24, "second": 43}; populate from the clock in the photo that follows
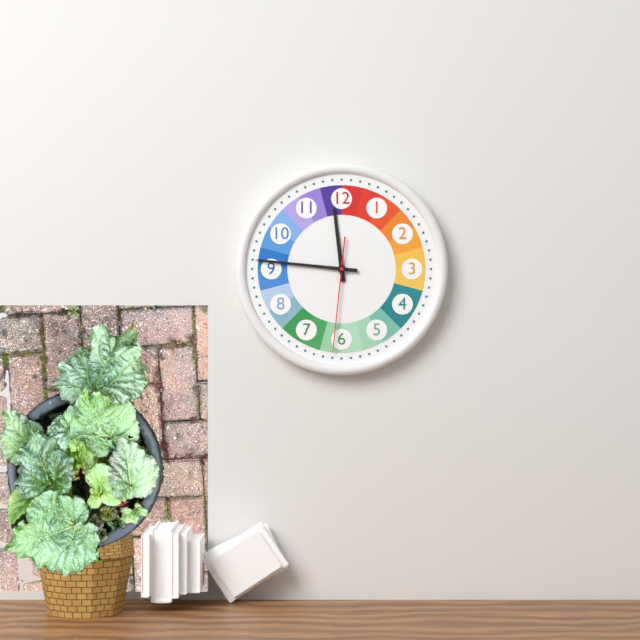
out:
{"hour": 11, "minute": 46, "second": 31}
